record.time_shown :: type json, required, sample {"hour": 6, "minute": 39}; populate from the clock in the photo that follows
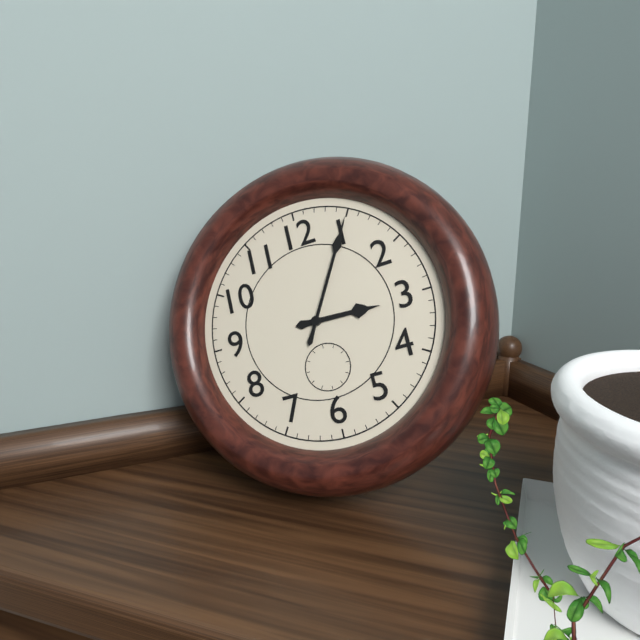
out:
{"hour": 3, "minute": 5}
